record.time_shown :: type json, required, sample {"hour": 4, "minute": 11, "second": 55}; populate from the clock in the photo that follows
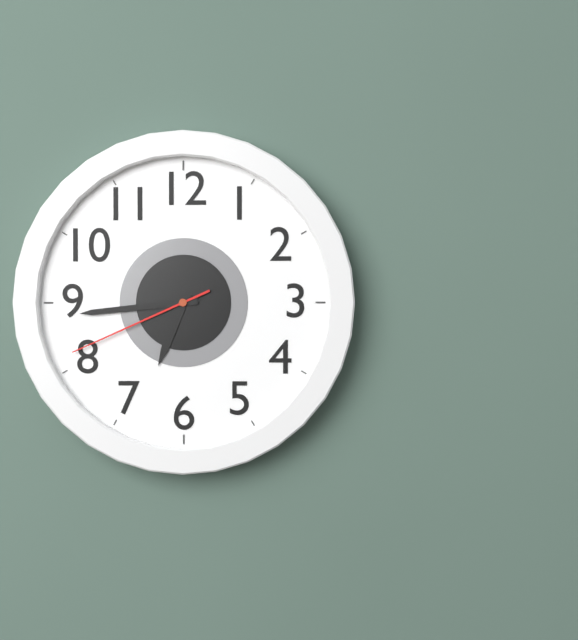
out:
{"hour": 6, "minute": 44, "second": 41}
